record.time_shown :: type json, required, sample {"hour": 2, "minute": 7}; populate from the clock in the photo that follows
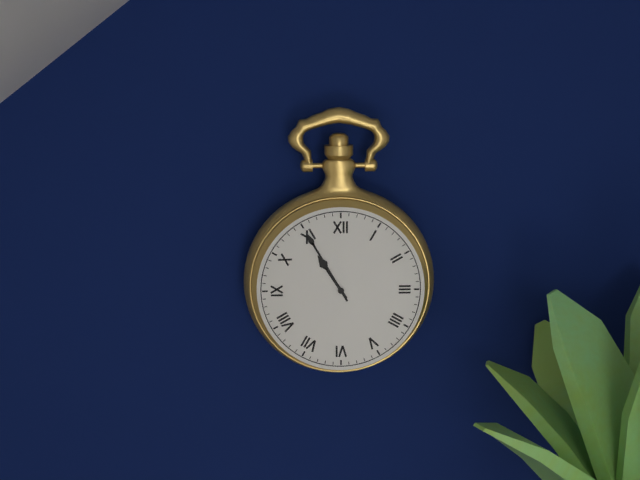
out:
{"hour": 10, "minute": 55}
